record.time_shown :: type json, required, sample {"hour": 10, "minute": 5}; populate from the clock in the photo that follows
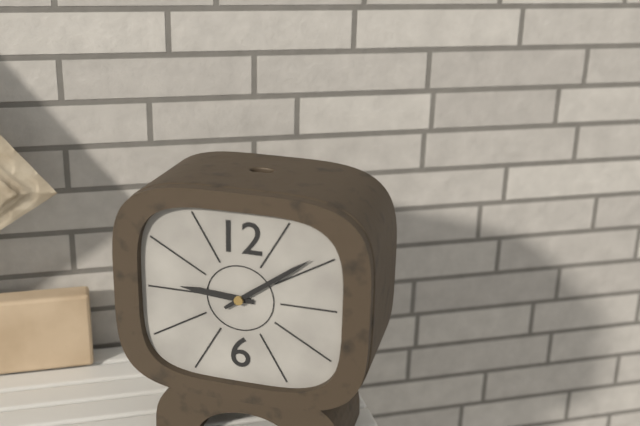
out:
{"hour": 9, "minute": 9}
